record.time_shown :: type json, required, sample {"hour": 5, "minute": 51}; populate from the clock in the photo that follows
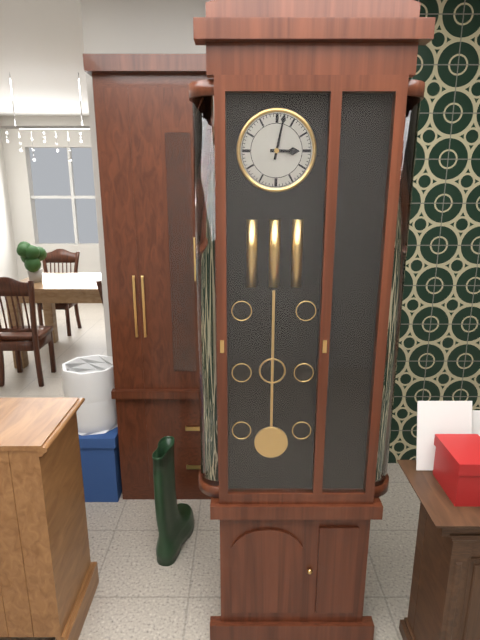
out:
{"hour": 3, "minute": 2}
